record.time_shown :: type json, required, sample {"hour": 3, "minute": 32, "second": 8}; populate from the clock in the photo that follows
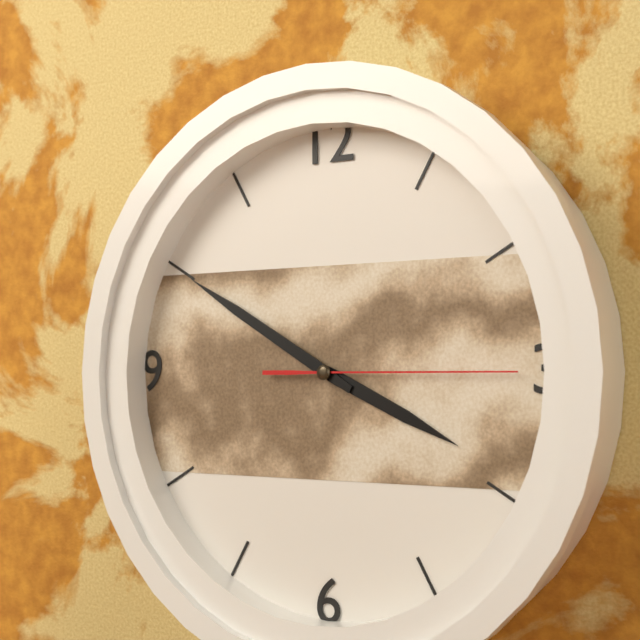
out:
{"hour": 3, "minute": 50, "second": 15}
